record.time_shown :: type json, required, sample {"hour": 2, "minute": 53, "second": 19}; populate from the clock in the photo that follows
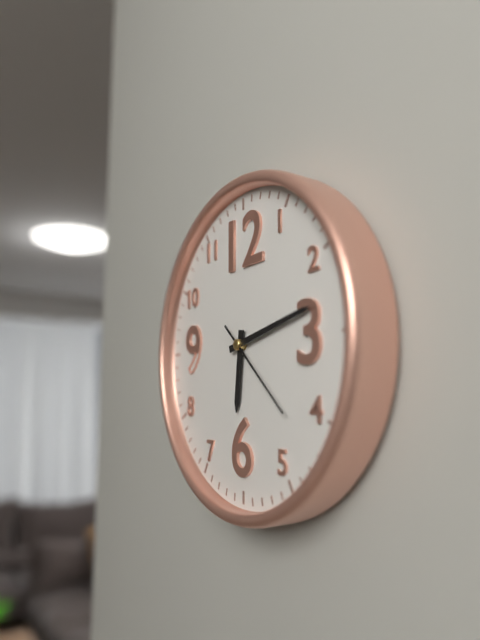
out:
{"hour": 6, "minute": 13, "second": 22}
